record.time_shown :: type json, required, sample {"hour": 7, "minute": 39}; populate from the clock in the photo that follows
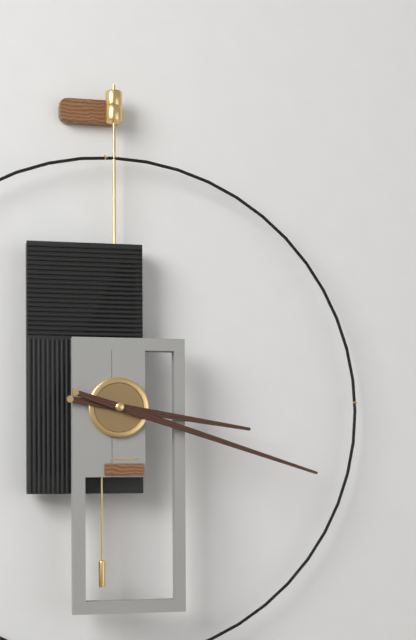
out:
{"hour": 3, "minute": 18}
